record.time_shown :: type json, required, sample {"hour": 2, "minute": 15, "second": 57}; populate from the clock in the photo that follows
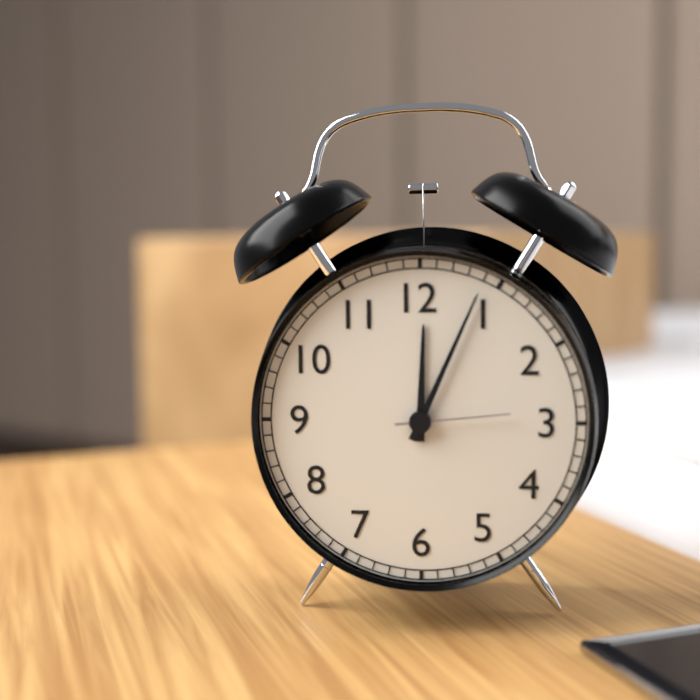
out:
{"hour": 12, "minute": 4, "second": 14}
